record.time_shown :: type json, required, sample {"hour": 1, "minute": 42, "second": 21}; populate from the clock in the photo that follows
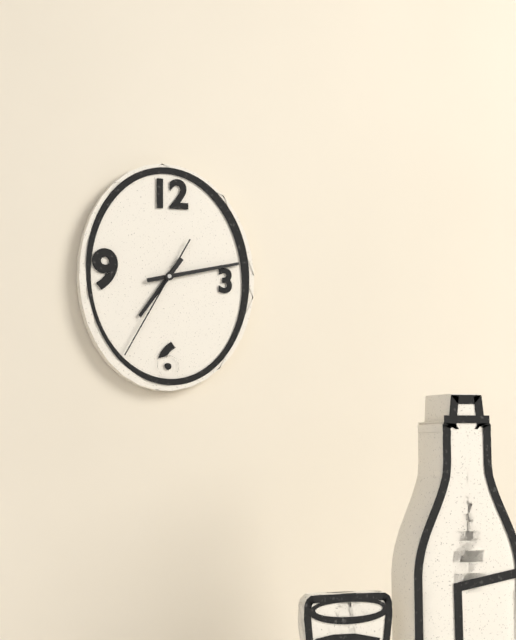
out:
{"hour": 7, "minute": 13, "second": 35}
